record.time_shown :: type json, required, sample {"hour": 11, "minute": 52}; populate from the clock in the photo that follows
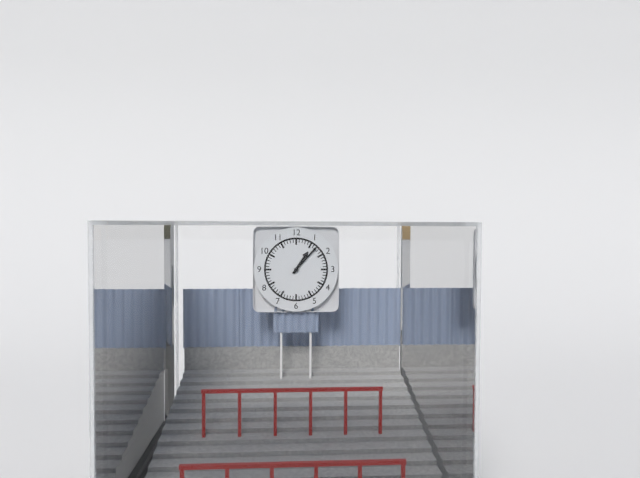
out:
{"hour": 1, "minute": 7}
